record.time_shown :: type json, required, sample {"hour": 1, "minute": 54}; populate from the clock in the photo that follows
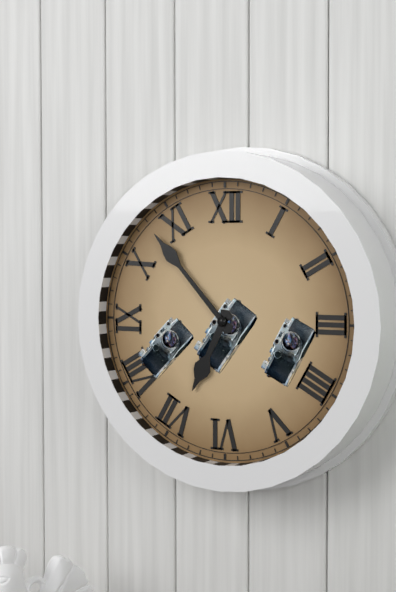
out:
{"hour": 6, "minute": 53}
